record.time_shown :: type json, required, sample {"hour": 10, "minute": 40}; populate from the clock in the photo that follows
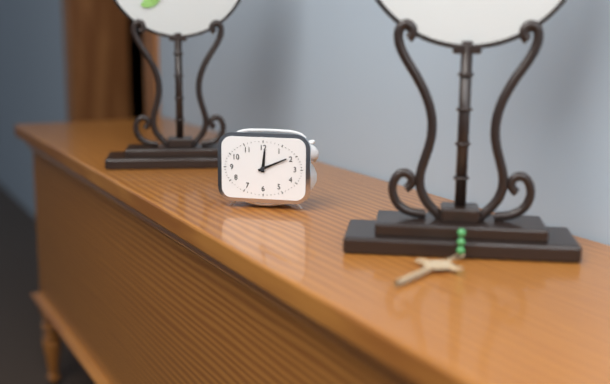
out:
{"hour": 12, "minute": 11}
